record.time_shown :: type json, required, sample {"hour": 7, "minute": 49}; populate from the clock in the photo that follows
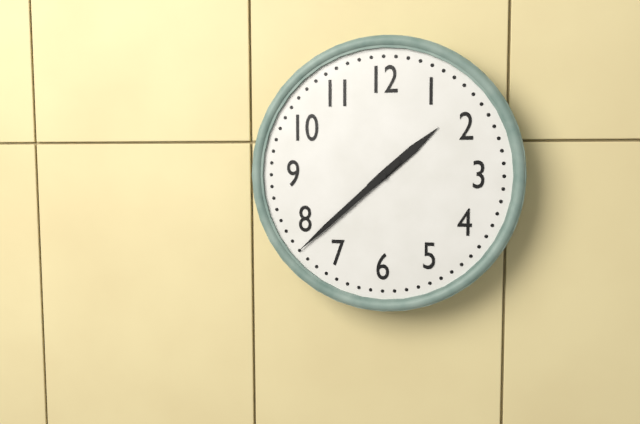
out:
{"hour": 1, "minute": 38}
